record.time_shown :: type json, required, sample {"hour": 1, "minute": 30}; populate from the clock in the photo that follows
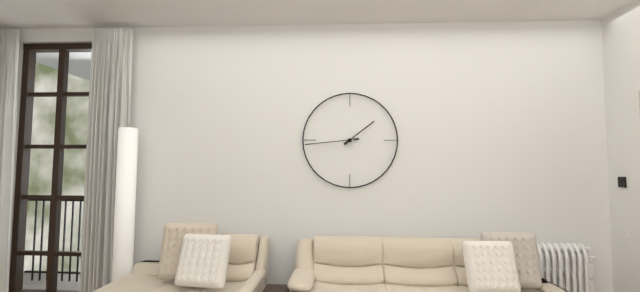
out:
{"hour": 1, "minute": 44}
